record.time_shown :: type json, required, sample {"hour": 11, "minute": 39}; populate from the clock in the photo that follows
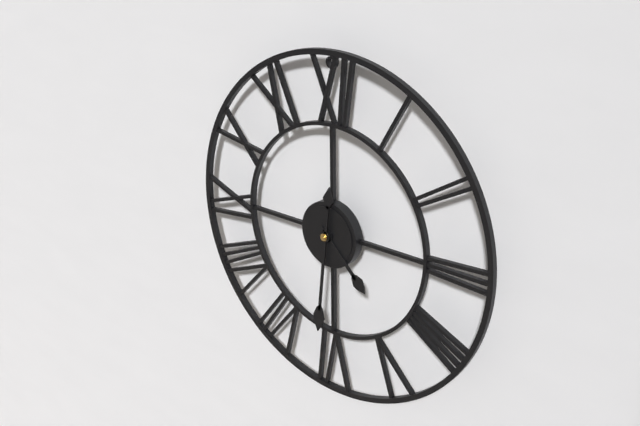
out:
{"hour": 4, "minute": 31}
